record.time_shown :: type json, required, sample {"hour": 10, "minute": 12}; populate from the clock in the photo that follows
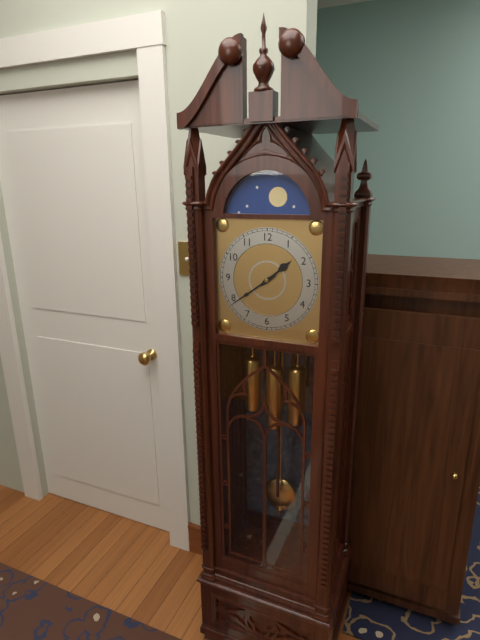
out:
{"hour": 1, "minute": 39}
